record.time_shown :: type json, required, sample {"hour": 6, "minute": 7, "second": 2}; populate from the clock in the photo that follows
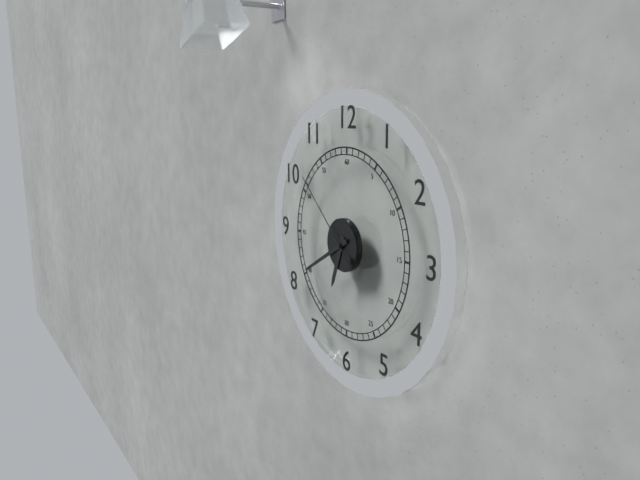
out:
{"hour": 6, "minute": 40, "second": 52}
